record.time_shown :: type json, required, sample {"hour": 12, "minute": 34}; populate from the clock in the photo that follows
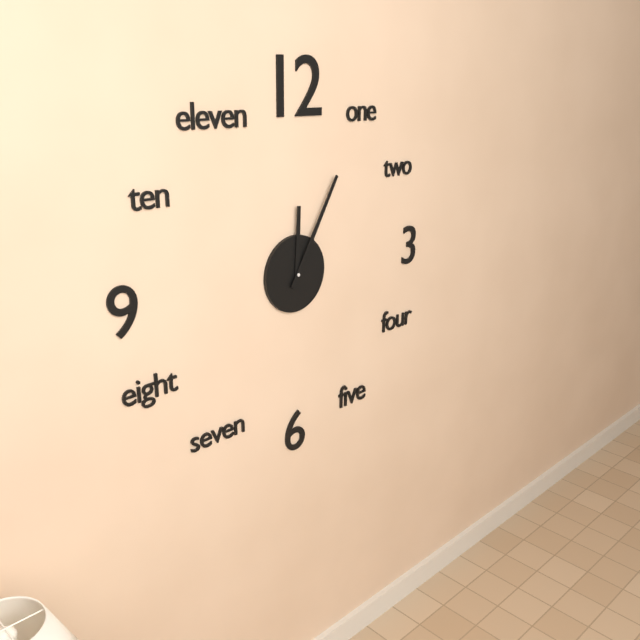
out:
{"hour": 12, "minute": 5}
